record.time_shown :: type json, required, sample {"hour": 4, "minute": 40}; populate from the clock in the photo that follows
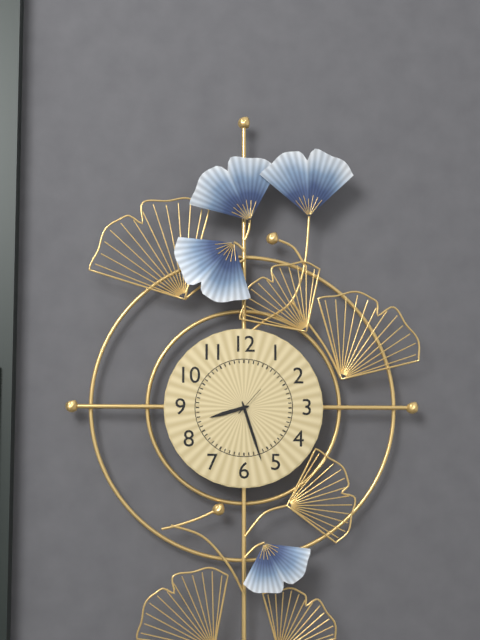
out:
{"hour": 8, "minute": 27}
